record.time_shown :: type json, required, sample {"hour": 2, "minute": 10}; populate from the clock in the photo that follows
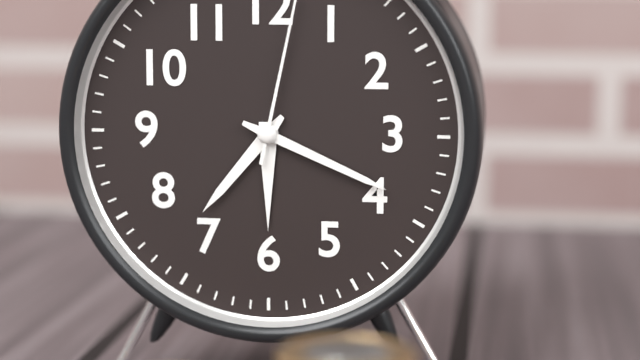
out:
{"hour": 7, "minute": 19}
